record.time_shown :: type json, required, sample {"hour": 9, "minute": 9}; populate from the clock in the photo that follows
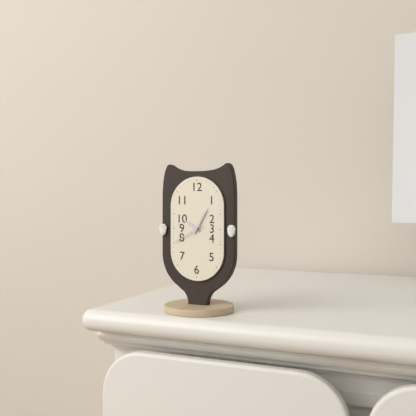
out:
{"hour": 10, "minute": 5}
